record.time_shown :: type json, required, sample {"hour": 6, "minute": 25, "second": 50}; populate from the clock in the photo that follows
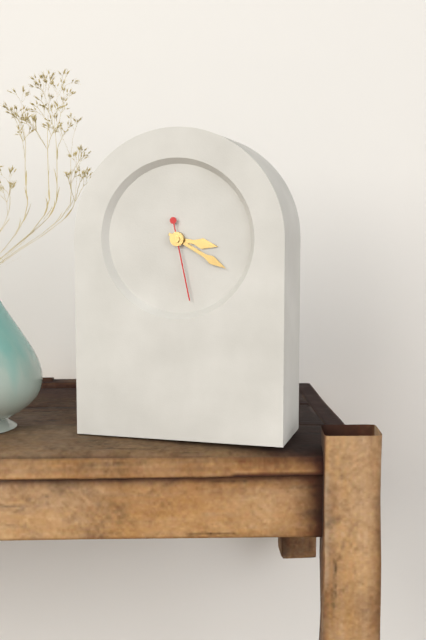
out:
{"hour": 3, "minute": 20, "second": 28}
